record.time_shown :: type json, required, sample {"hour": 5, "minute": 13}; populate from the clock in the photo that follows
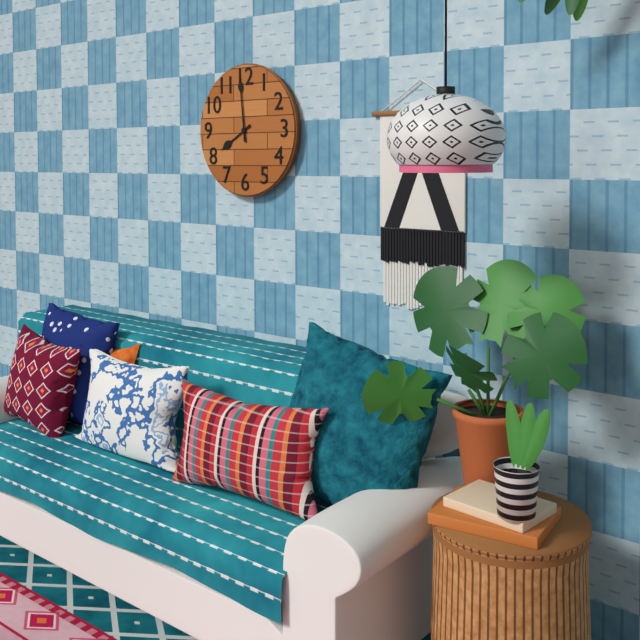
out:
{"hour": 7, "minute": 59}
